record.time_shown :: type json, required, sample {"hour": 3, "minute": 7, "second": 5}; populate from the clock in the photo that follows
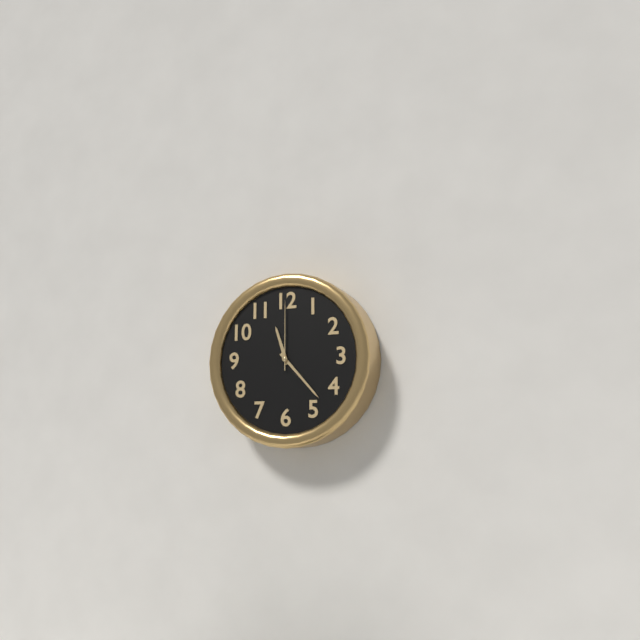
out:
{"hour": 11, "minute": 23, "second": 0}
